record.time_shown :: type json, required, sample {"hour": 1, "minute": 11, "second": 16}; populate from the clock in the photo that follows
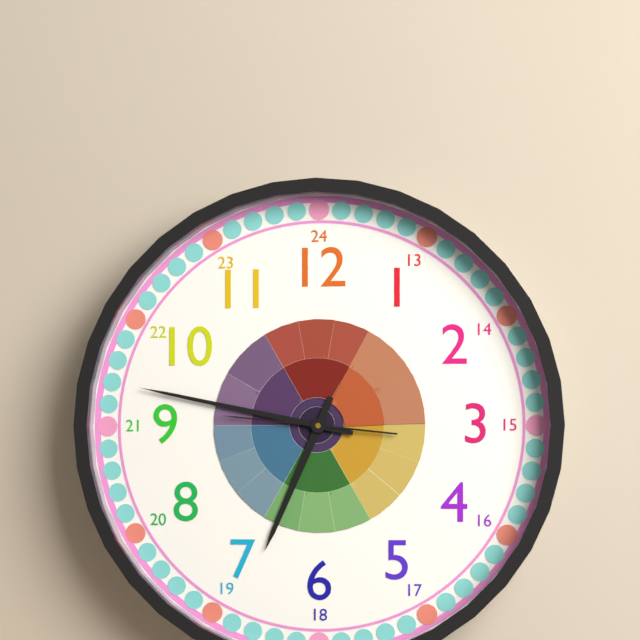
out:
{"hour": 6, "minute": 47, "second": 46}
